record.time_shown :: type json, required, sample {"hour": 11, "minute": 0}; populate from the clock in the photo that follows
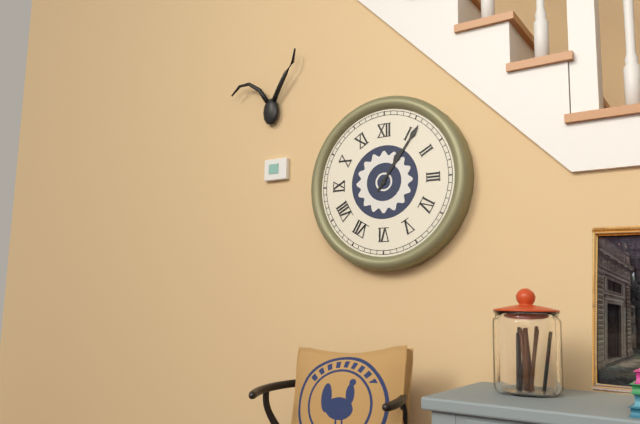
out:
{"hour": 1, "minute": 6}
